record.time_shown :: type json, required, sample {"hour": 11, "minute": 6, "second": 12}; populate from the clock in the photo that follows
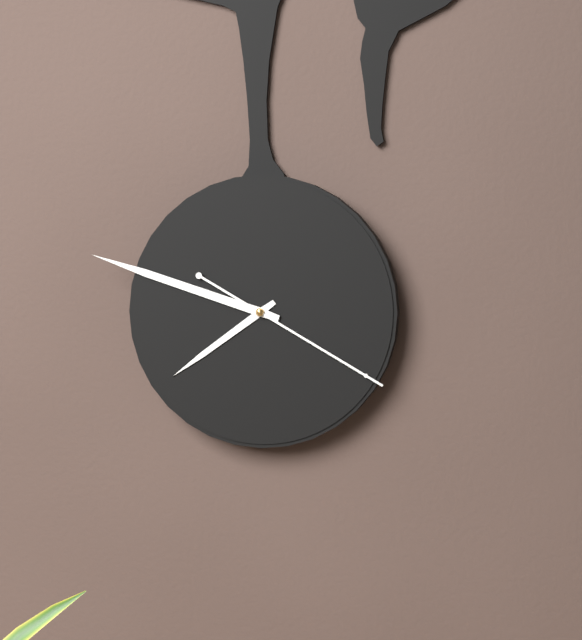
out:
{"hour": 7, "minute": 48, "second": 20}
